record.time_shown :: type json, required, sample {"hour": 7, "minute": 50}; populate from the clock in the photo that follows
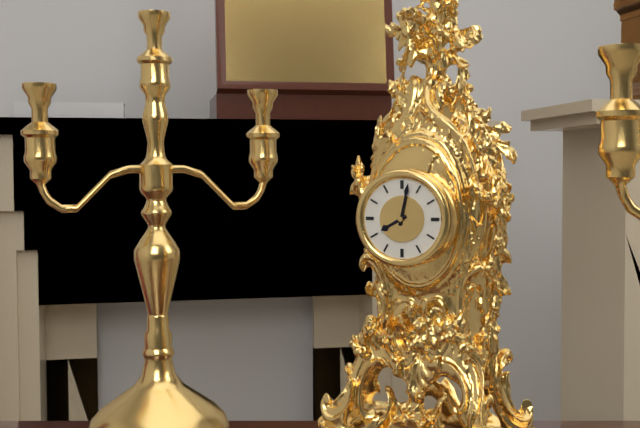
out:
{"hour": 8, "minute": 2}
